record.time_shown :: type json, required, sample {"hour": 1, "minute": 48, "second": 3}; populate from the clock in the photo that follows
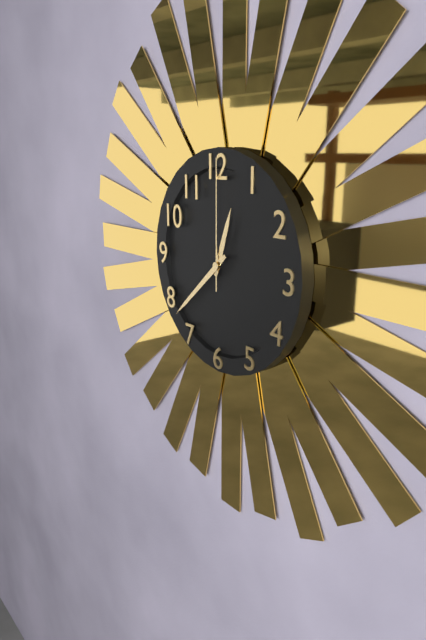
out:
{"hour": 12, "minute": 38, "second": 0}
